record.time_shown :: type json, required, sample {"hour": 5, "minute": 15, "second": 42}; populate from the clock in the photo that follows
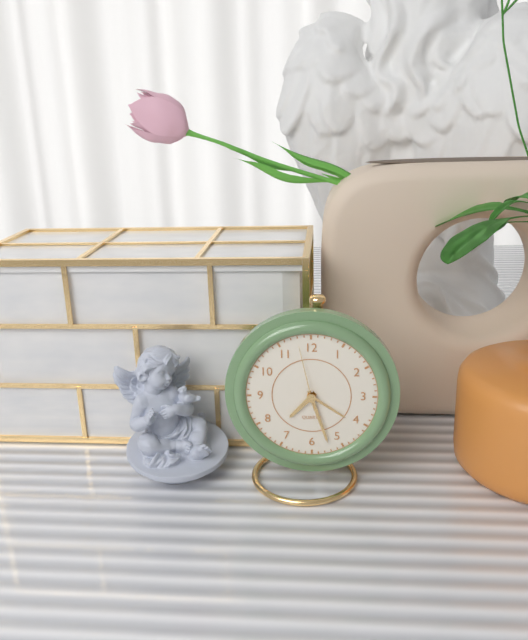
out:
{"hour": 7, "minute": 27, "second": 58}
